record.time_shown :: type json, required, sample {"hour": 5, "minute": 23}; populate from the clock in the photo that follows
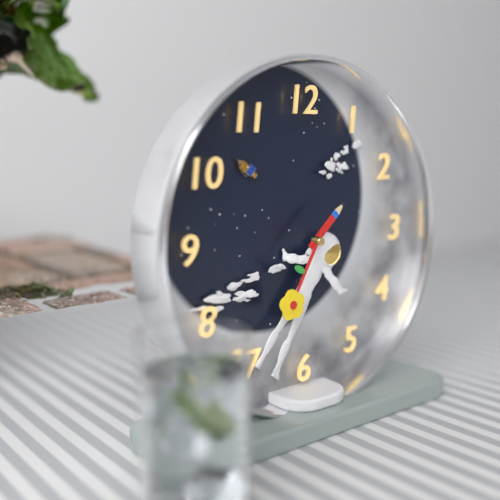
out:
{"hour": 1, "minute": 35}
